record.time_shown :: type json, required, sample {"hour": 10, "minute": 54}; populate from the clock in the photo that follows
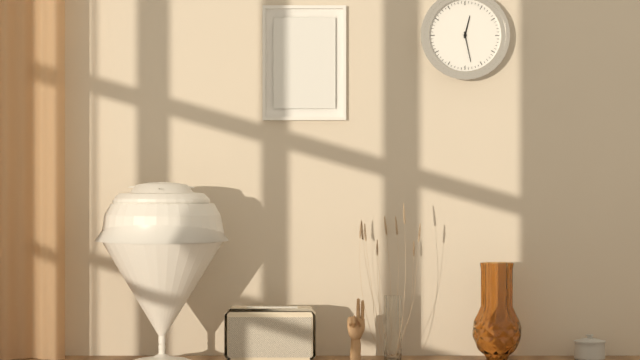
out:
{"hour": 12, "minute": 28}
